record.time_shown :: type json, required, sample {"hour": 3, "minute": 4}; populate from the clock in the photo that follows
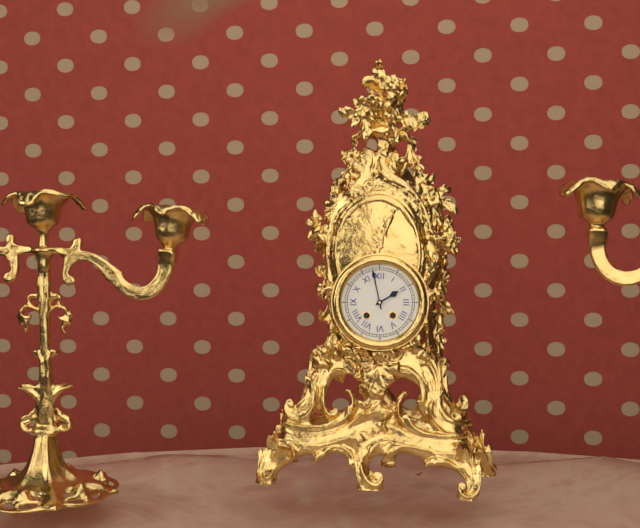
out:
{"hour": 1, "minute": 58}
